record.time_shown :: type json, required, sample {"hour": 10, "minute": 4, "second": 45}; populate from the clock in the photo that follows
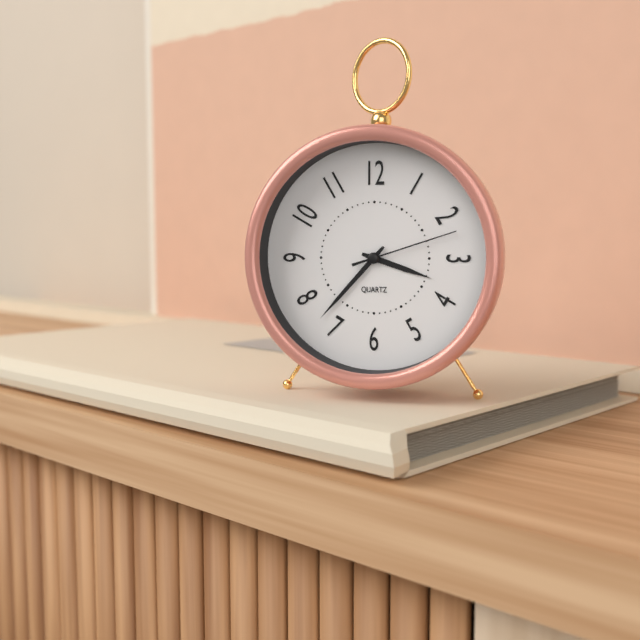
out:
{"hour": 3, "minute": 37, "second": 12}
